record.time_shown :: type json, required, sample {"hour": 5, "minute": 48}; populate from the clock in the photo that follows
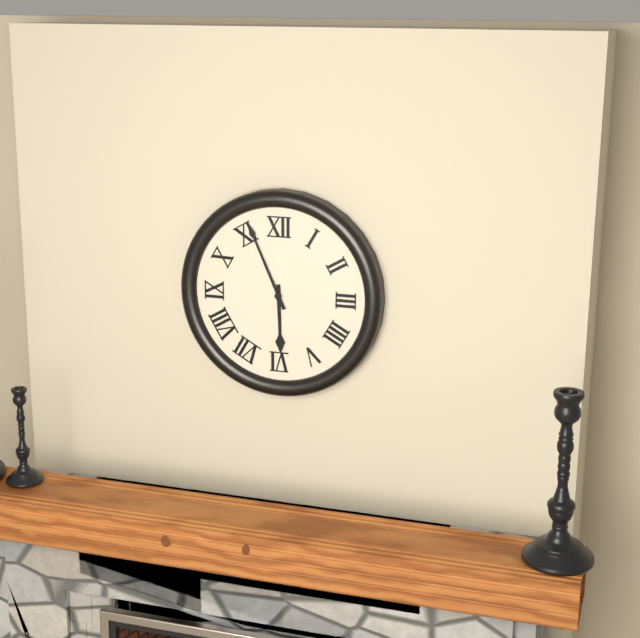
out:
{"hour": 5, "minute": 56}
